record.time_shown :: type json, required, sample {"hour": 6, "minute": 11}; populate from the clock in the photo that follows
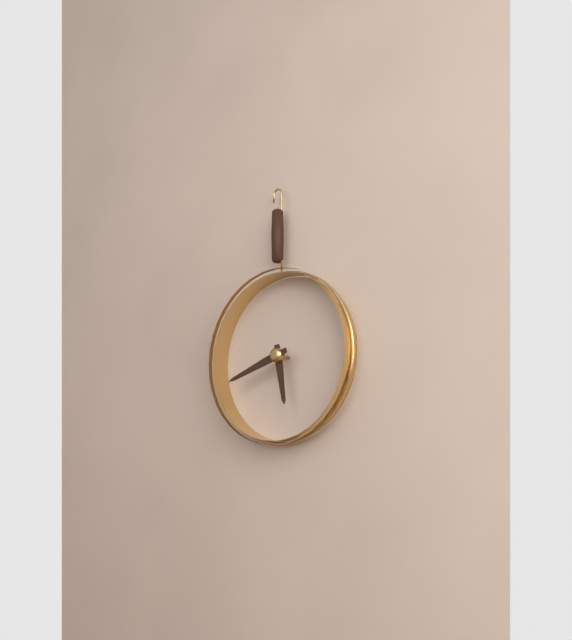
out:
{"hour": 5, "minute": 42}
